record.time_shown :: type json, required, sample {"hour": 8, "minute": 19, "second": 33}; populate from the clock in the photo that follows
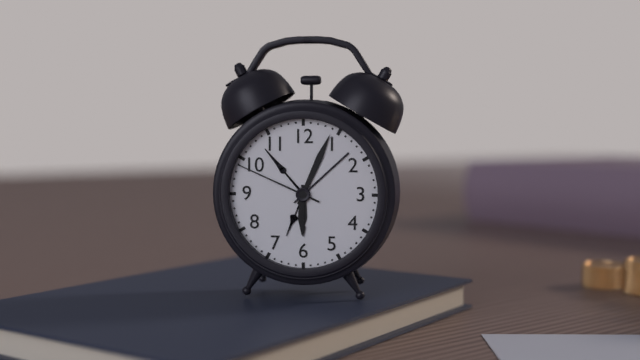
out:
{"hour": 6, "minute": 4, "second": 49}
